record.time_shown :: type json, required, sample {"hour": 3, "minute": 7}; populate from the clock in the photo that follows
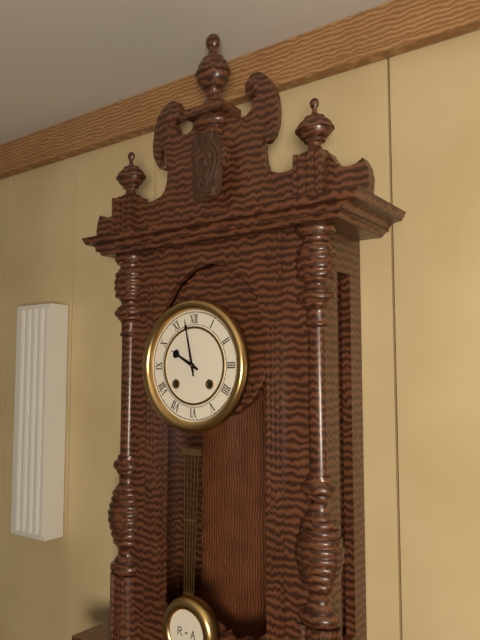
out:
{"hour": 9, "minute": 58}
